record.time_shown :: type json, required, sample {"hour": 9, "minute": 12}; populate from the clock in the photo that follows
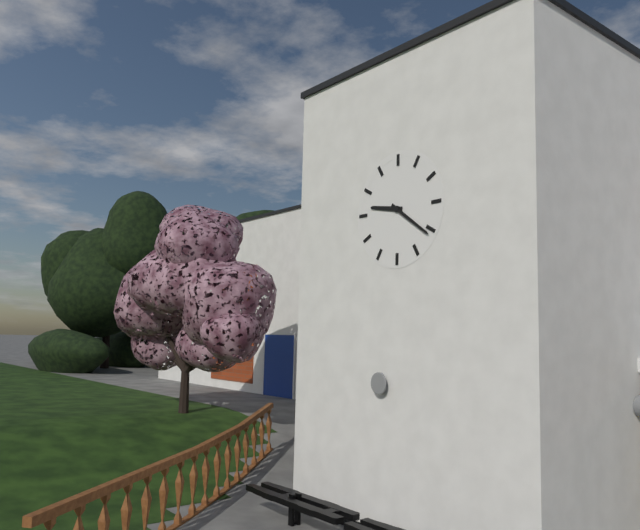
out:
{"hour": 9, "minute": 21}
